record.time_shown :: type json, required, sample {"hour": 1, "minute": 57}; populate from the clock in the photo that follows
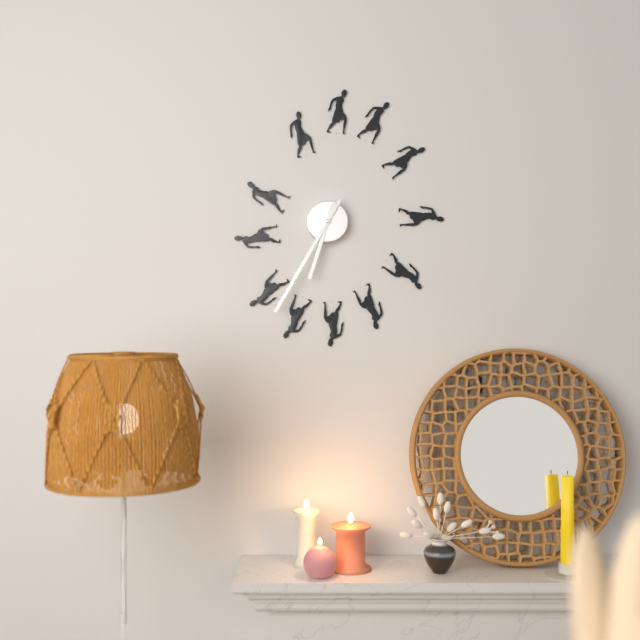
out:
{"hour": 6, "minute": 35}
